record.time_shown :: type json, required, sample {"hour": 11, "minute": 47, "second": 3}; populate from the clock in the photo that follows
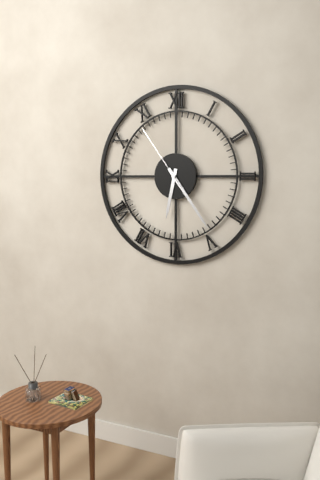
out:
{"hour": 6, "minute": 24, "second": 54}
